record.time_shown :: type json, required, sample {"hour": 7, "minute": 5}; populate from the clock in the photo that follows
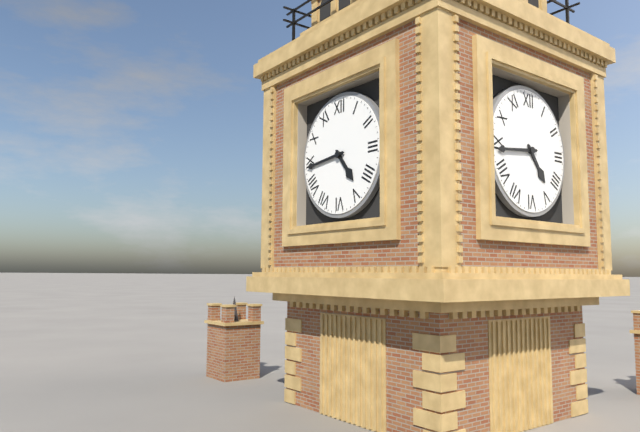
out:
{"hour": 4, "minute": 44}
